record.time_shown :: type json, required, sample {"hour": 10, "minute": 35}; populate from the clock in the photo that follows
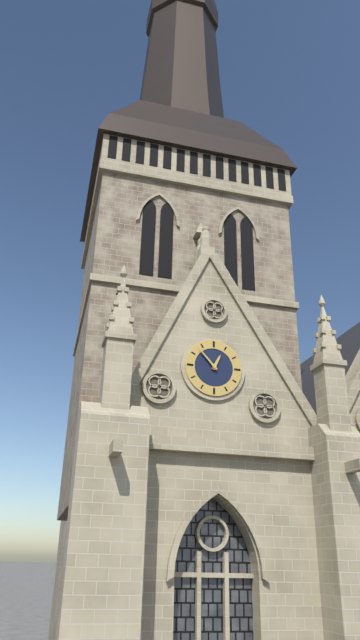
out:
{"hour": 12, "minute": 53}
